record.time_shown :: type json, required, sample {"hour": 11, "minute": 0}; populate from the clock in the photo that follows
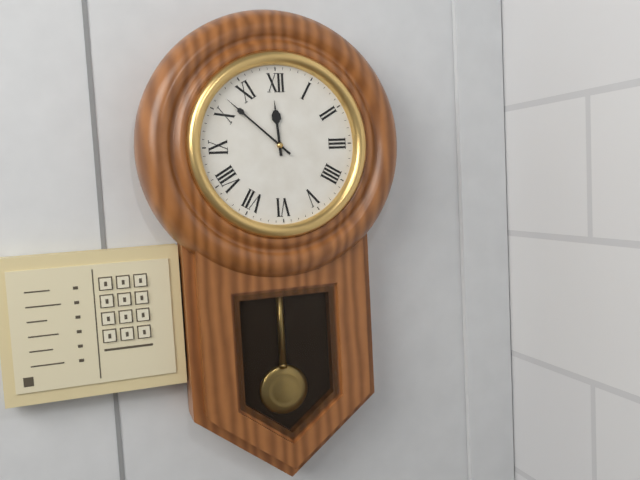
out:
{"hour": 11, "minute": 52}
